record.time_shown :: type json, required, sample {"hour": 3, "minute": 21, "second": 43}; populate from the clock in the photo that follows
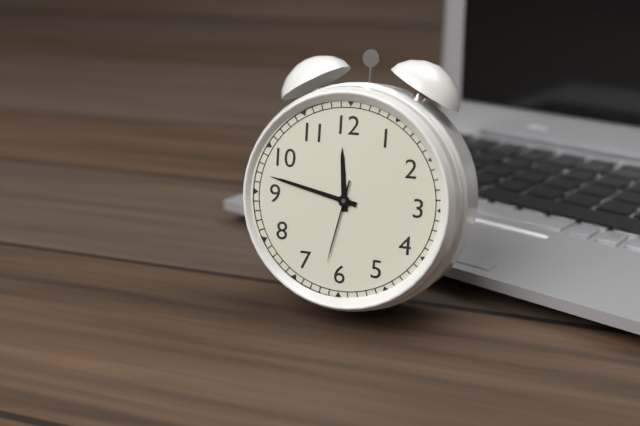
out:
{"hour": 11, "minute": 47, "second": 32}
